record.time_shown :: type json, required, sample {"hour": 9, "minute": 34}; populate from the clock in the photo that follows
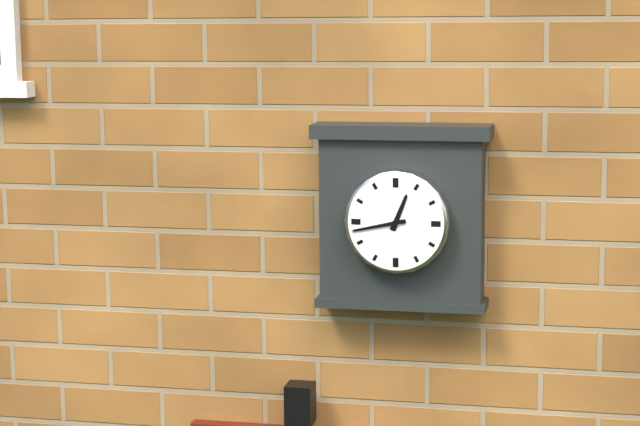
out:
{"hour": 12, "minute": 43}
